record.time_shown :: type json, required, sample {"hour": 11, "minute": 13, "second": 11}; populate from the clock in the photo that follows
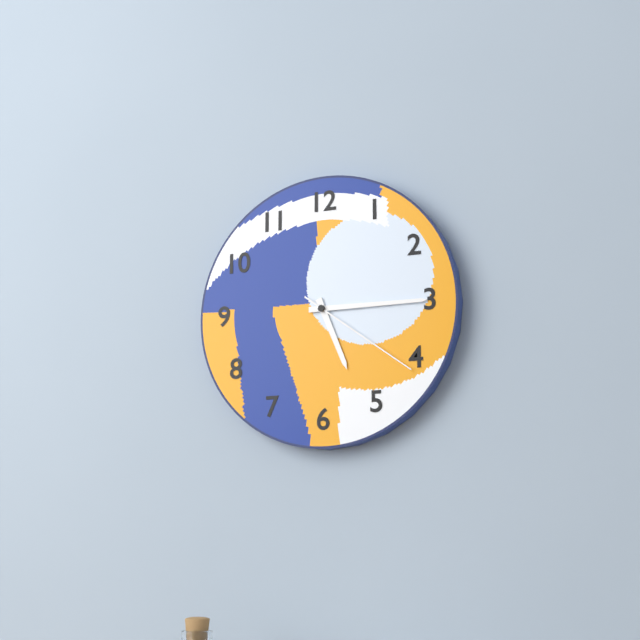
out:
{"hour": 5, "minute": 15, "second": 21}
